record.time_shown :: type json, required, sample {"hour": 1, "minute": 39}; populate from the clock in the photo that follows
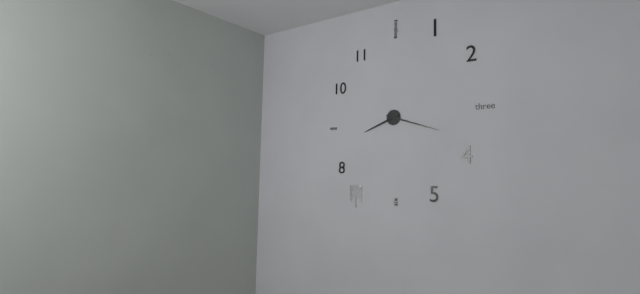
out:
{"hour": 8, "minute": 18}
